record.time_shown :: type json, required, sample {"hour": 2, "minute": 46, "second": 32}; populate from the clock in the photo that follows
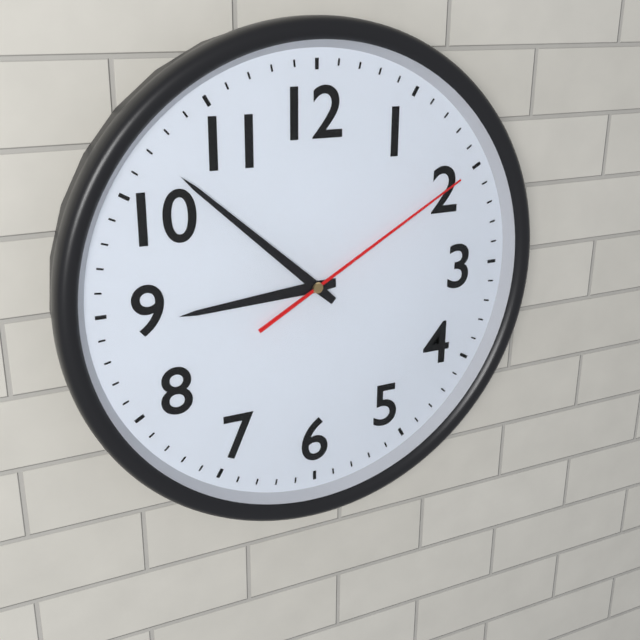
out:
{"hour": 8, "minute": 52, "second": 10}
